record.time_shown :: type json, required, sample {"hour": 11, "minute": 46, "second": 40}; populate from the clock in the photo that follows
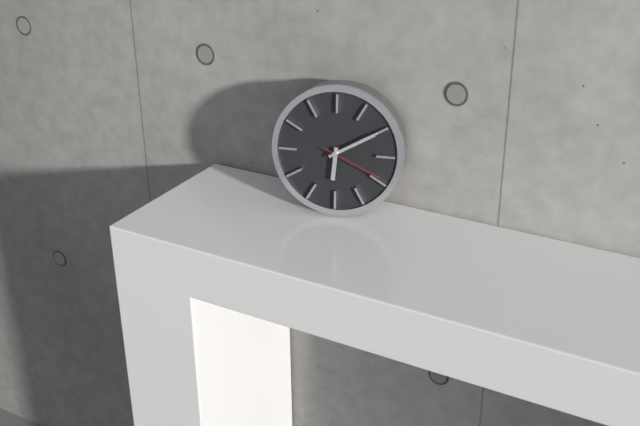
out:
{"hour": 6, "minute": 10, "second": 19}
